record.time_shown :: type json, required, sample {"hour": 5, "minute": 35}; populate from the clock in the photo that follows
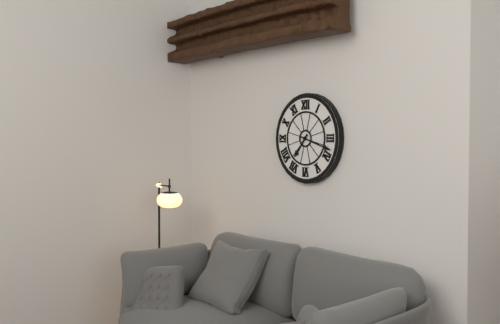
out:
{"hour": 7, "minute": 18}
